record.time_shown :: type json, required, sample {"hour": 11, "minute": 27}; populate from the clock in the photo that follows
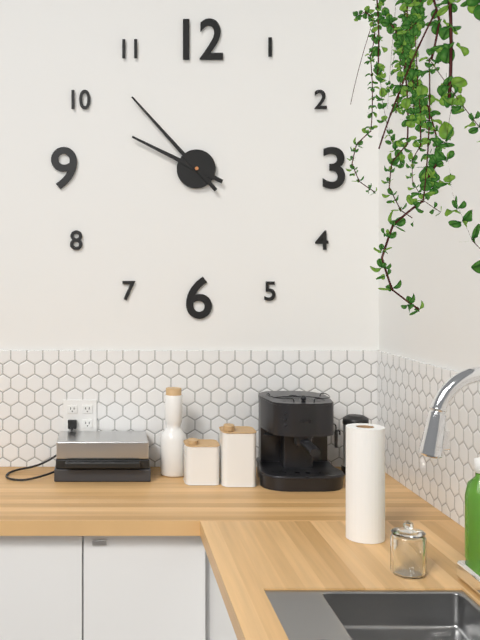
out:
{"hour": 9, "minute": 53}
